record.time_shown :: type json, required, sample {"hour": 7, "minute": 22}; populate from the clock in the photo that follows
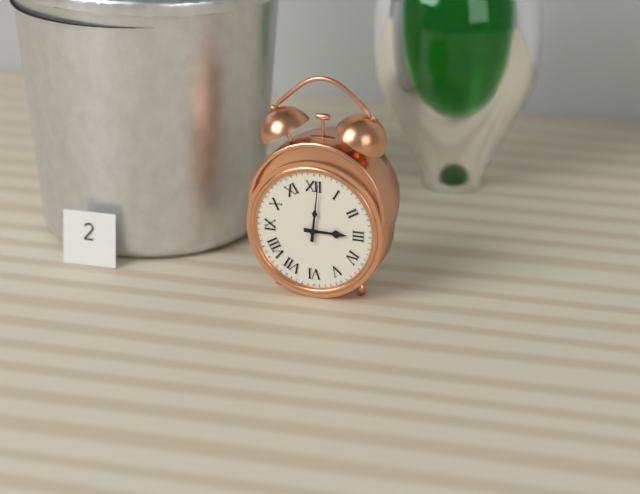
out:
{"hour": 3, "minute": 1}
